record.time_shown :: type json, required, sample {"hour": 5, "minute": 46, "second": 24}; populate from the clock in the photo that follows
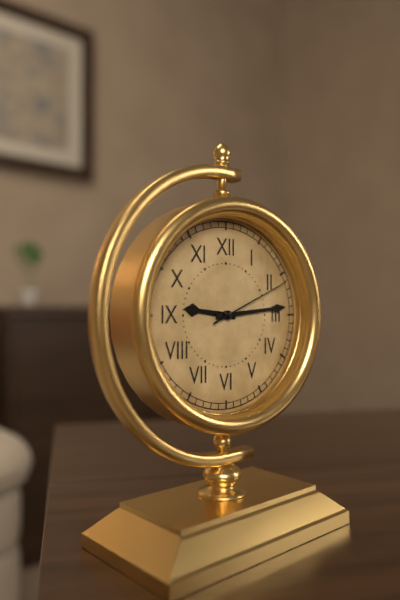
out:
{"hour": 9, "minute": 14, "second": 11}
